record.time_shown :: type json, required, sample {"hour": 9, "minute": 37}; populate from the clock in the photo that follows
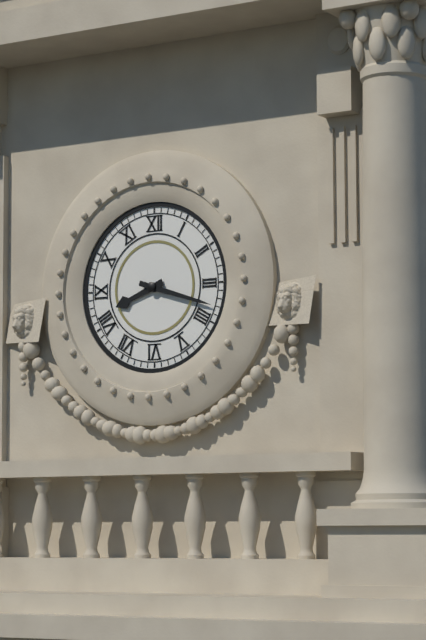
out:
{"hour": 8, "minute": 18}
